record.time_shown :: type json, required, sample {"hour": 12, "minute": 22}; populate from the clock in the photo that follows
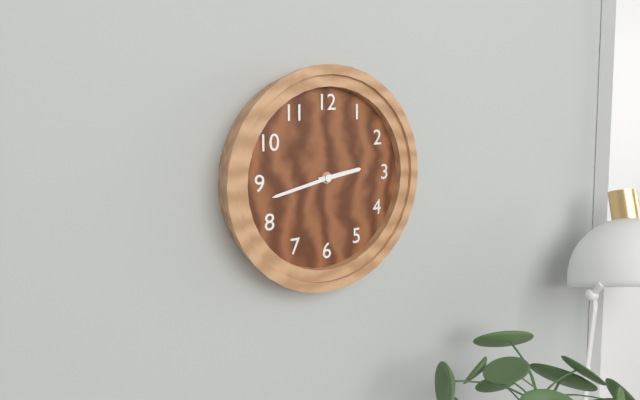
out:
{"hour": 2, "minute": 43}
